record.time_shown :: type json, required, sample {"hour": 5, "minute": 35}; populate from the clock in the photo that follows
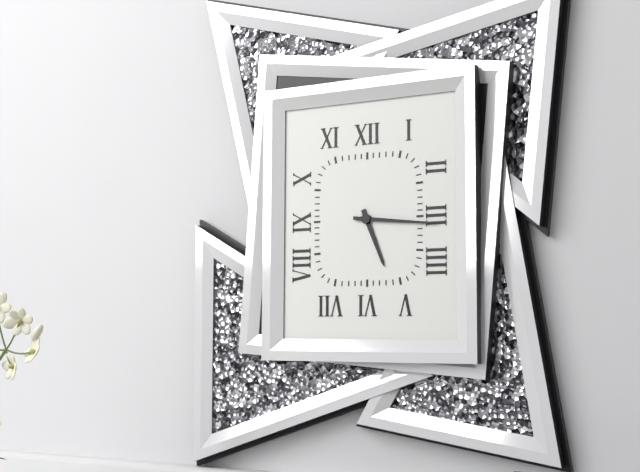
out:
{"hour": 5, "minute": 16}
